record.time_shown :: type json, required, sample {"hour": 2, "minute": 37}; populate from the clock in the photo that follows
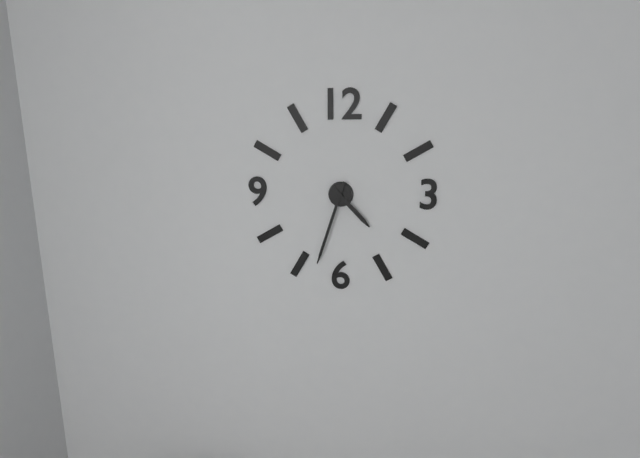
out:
{"hour": 4, "minute": 33}
